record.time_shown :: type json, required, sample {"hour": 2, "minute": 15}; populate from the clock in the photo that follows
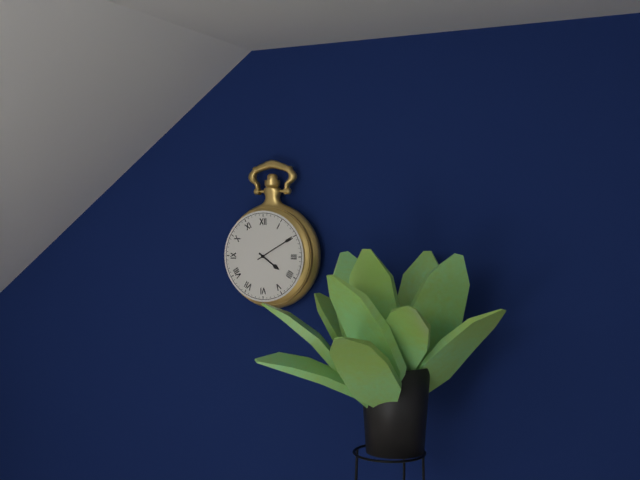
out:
{"hour": 4, "minute": 10}
